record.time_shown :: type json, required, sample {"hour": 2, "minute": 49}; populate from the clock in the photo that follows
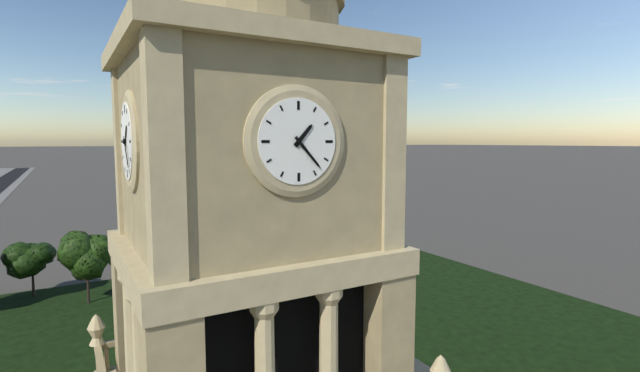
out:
{"hour": 1, "minute": 23}
